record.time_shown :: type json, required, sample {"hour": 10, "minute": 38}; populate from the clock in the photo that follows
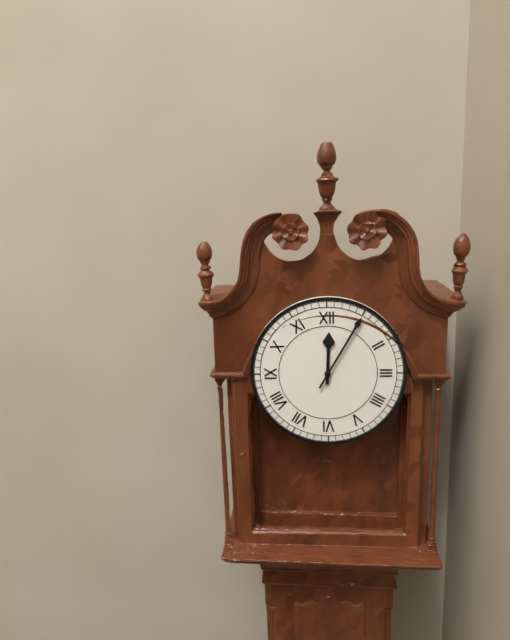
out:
{"hour": 12, "minute": 5}
